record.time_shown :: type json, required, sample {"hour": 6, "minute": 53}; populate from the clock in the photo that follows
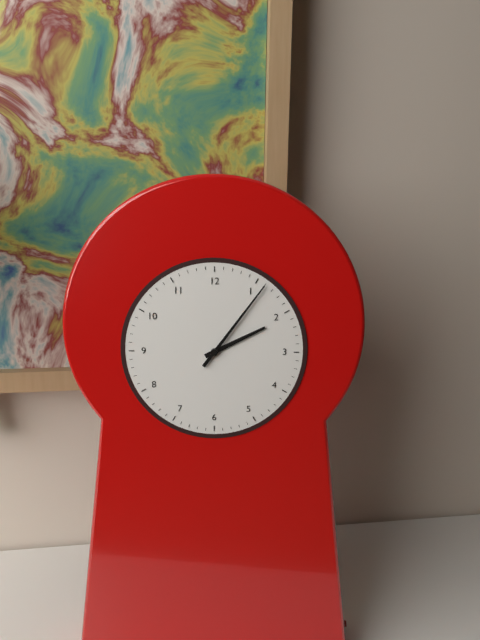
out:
{"hour": 2, "minute": 6}
